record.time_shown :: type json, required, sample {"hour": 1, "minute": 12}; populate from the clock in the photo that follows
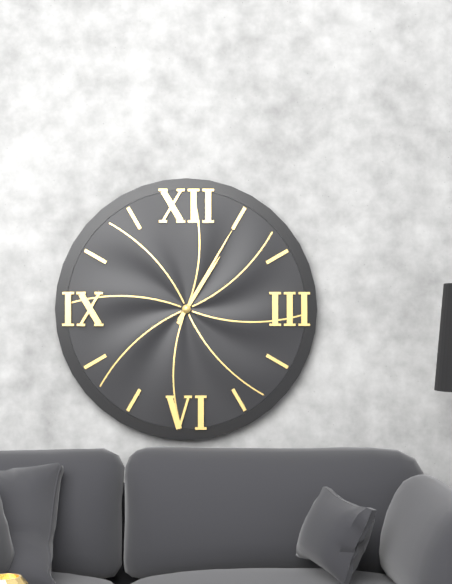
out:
{"hour": 1, "minute": 5}
